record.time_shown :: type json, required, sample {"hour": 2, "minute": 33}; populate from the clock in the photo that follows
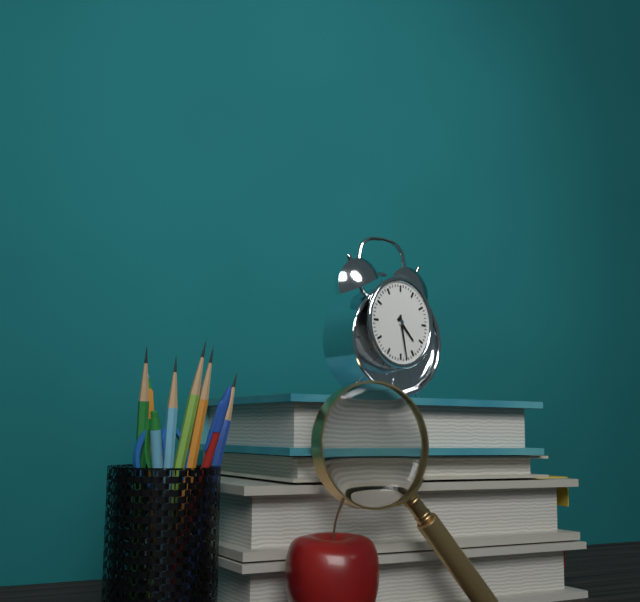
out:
{"hour": 4, "minute": 28}
